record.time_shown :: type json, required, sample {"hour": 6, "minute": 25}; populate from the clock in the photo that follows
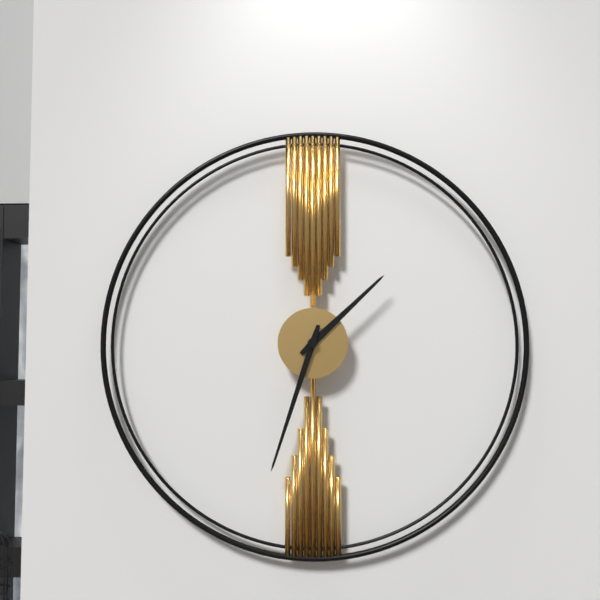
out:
{"hour": 1, "minute": 33}
